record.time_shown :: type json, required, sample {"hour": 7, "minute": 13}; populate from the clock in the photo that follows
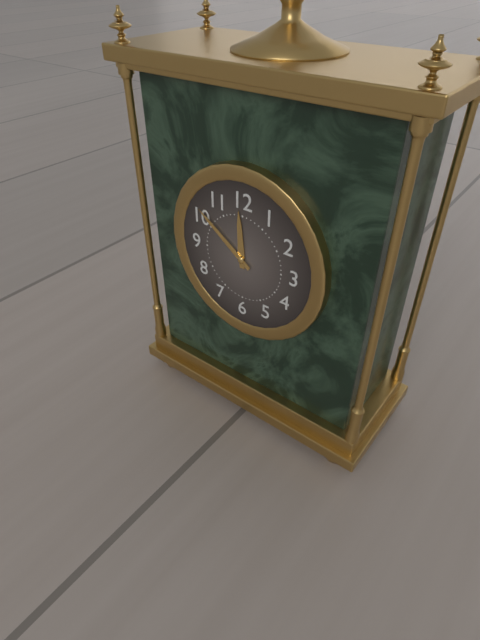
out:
{"hour": 11, "minute": 51}
